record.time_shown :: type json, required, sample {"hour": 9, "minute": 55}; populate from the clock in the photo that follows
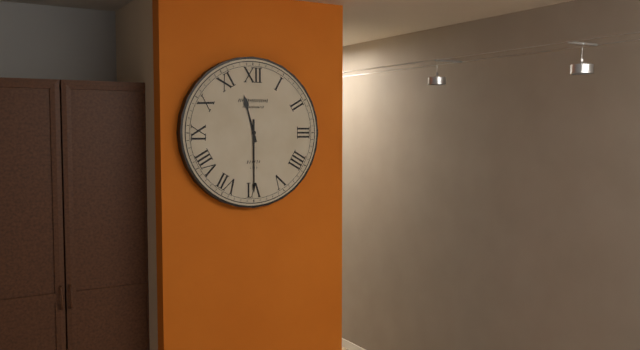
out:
{"hour": 11, "minute": 30}
